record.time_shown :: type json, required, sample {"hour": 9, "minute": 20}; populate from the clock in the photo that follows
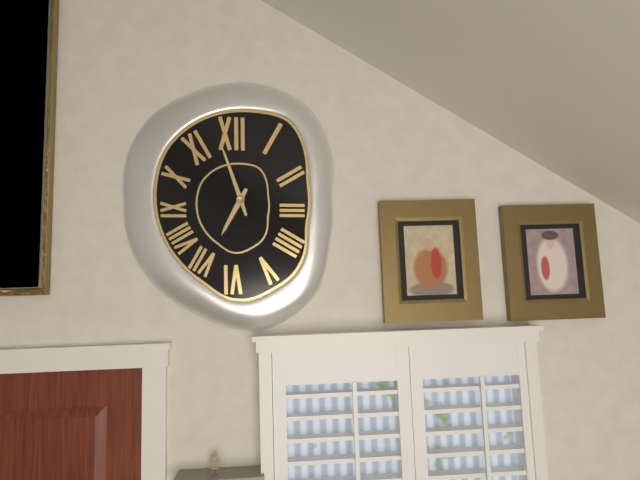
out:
{"hour": 6, "minute": 57}
